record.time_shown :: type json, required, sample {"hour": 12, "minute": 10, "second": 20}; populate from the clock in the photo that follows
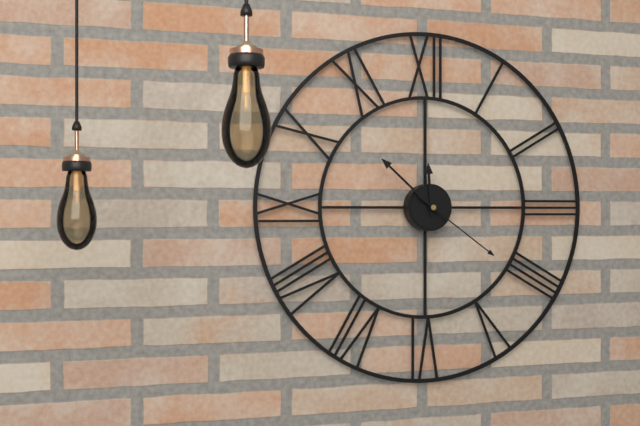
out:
{"hour": 11, "minute": 52, "second": 21}
